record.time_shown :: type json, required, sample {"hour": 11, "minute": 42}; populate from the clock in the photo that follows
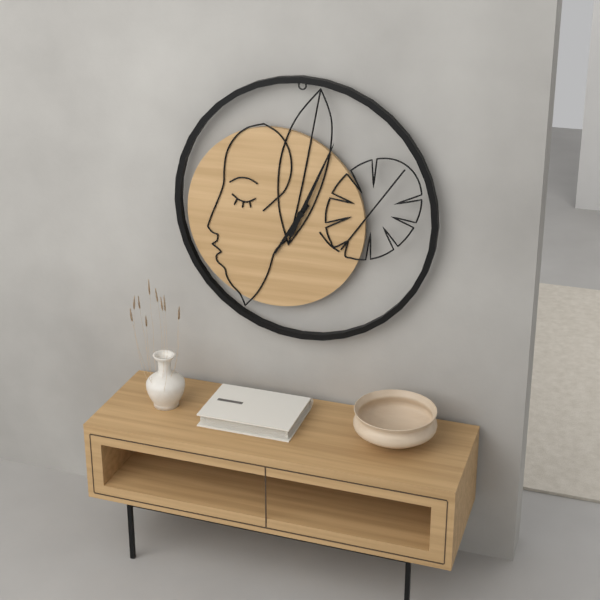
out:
{"hour": 7, "minute": 4}
